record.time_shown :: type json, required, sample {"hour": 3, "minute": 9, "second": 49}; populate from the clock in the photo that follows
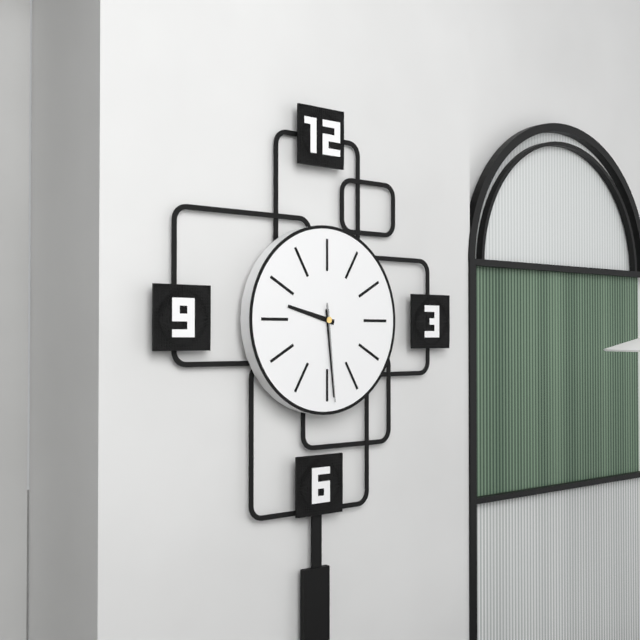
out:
{"hour": 9, "minute": 29, "second": 29}
